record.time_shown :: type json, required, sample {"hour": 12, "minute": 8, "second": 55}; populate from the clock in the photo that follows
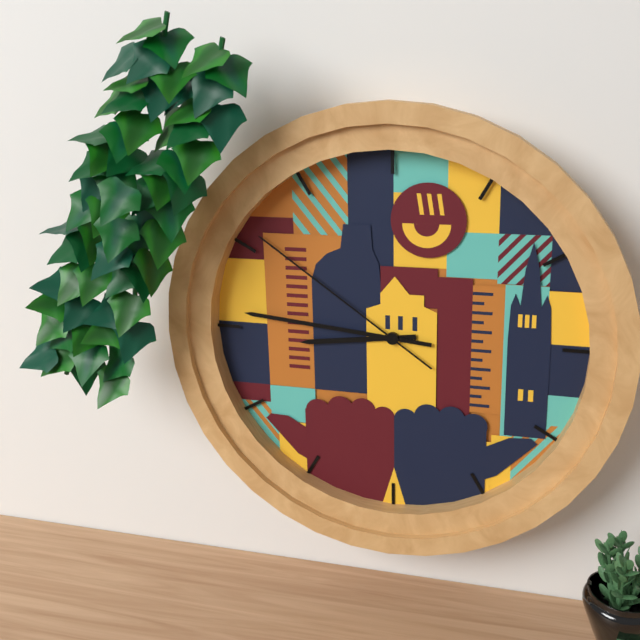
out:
{"hour": 8, "minute": 46, "second": 51}
